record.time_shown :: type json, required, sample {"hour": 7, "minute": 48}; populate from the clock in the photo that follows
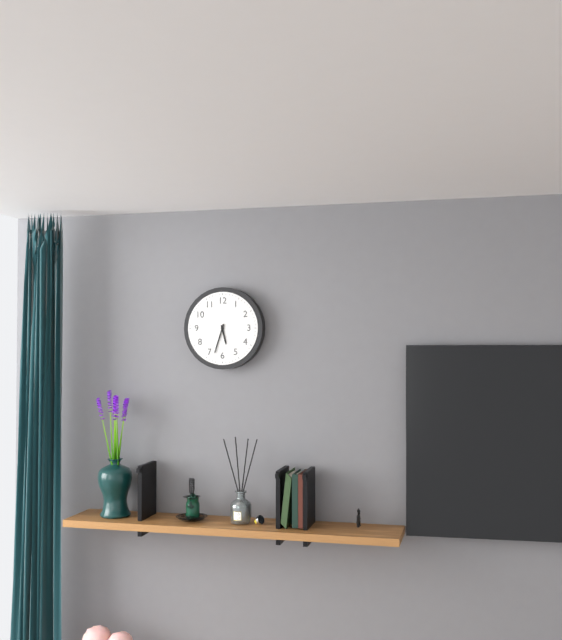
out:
{"hour": 5, "minute": 33}
